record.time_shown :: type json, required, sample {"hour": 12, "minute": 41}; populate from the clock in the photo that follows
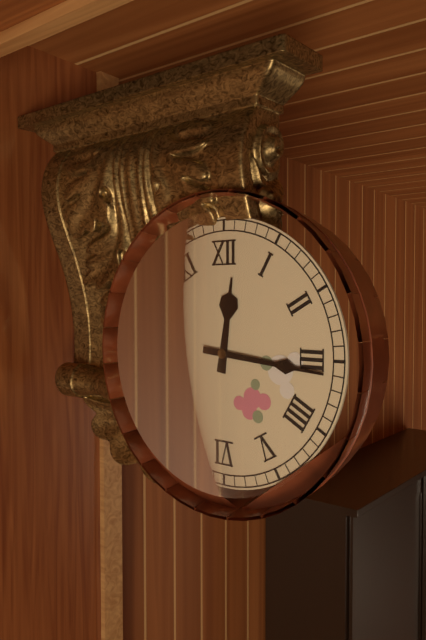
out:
{"hour": 12, "minute": 16}
